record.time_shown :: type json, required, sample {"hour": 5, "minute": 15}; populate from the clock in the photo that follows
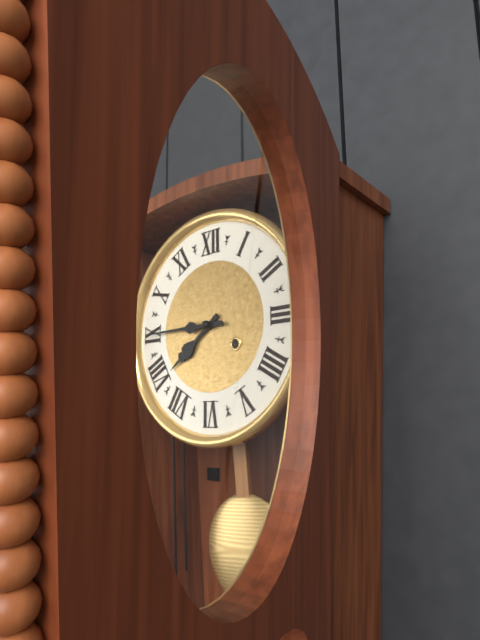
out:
{"hour": 7, "minute": 45}
